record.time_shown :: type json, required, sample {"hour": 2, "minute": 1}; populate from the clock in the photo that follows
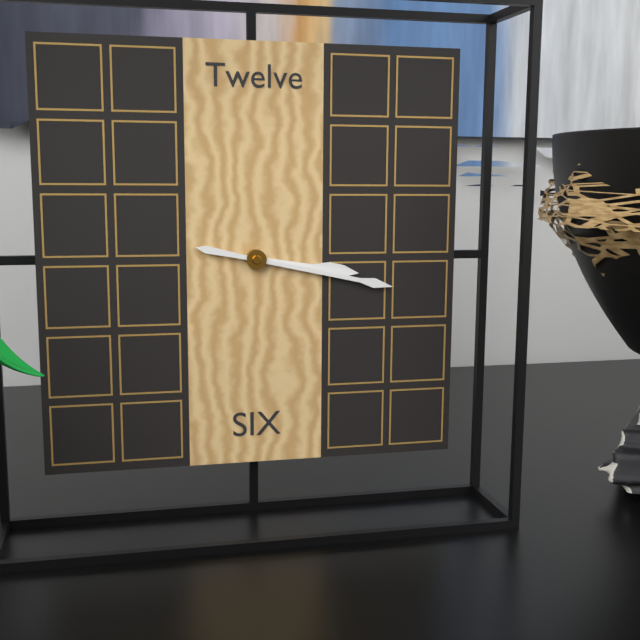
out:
{"hour": 3, "minute": 17}
